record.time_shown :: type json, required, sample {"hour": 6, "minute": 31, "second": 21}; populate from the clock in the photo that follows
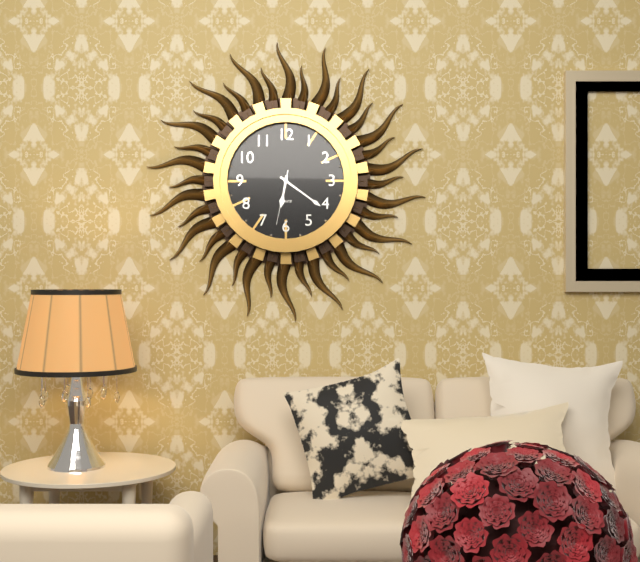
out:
{"hour": 6, "minute": 21, "second": 32}
